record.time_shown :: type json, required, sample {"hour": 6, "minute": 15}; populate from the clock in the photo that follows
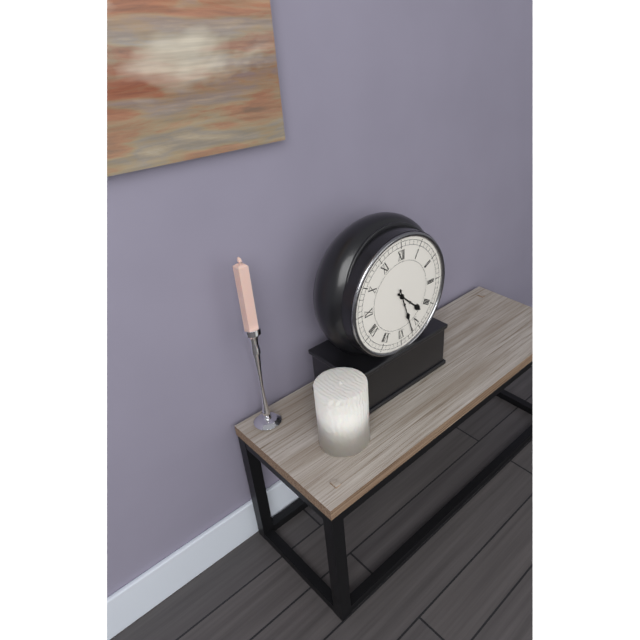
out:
{"hour": 4, "minute": 27}
